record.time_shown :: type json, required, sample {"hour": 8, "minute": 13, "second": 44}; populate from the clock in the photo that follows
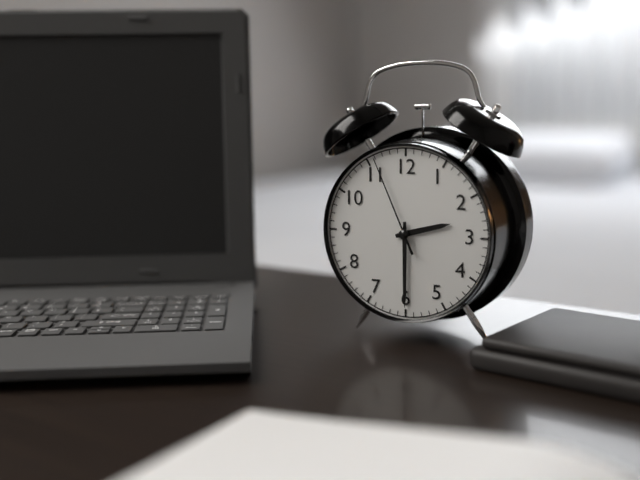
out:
{"hour": 2, "minute": 30, "second": 56}
